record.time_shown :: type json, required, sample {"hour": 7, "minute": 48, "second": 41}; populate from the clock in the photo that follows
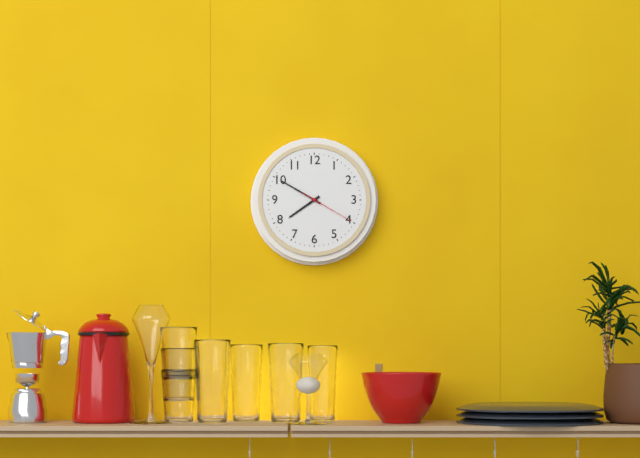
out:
{"hour": 7, "minute": 50, "second": 20}
